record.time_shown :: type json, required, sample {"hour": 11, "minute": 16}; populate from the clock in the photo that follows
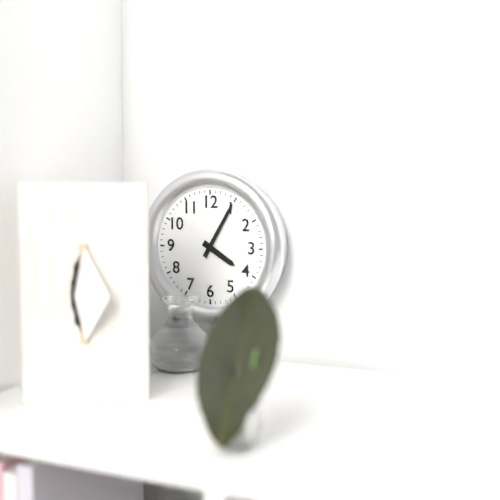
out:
{"hour": 4, "minute": 5}
